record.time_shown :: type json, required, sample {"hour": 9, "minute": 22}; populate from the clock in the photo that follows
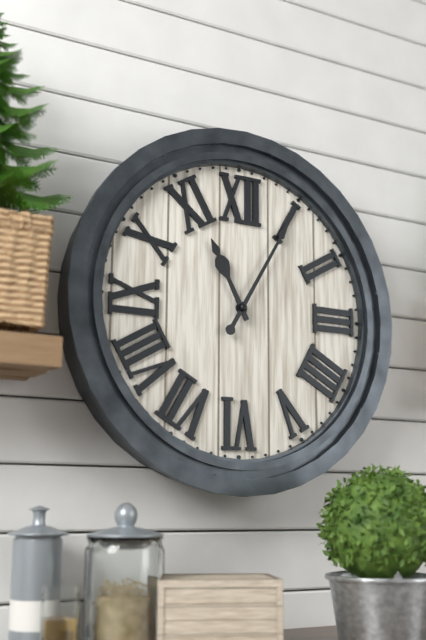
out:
{"hour": 11, "minute": 5}
